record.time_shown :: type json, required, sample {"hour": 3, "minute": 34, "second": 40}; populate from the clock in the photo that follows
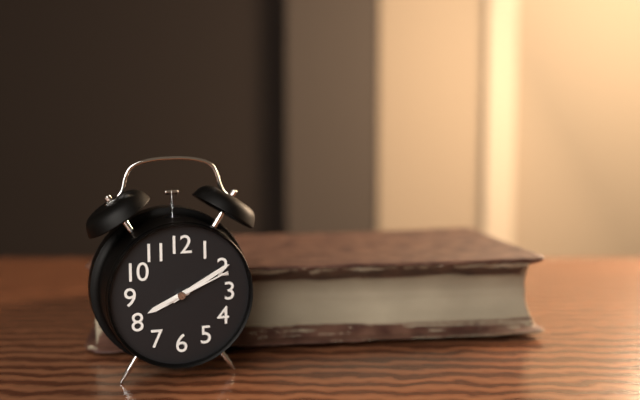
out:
{"hour": 8, "minute": 10, "second": 11}
